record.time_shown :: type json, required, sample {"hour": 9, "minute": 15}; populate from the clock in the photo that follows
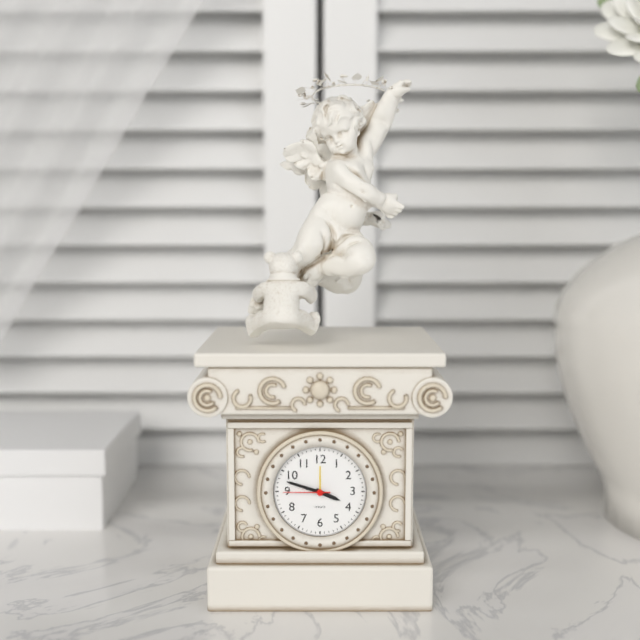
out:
{"hour": 3, "minute": 48}
